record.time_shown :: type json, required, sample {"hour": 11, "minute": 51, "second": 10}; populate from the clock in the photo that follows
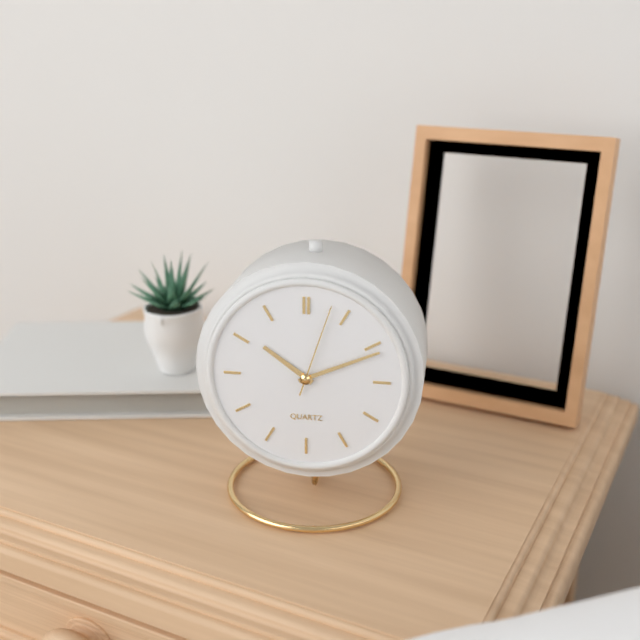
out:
{"hour": 10, "minute": 11, "second": 3}
